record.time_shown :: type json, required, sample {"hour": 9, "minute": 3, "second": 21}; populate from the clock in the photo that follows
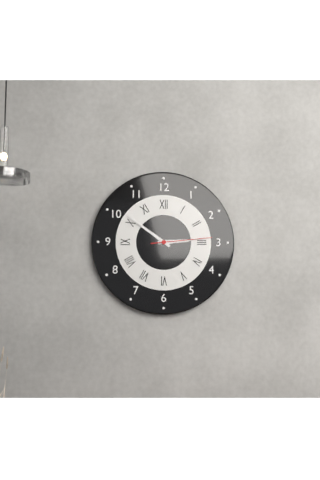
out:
{"hour": 2, "minute": 51, "second": 14}
